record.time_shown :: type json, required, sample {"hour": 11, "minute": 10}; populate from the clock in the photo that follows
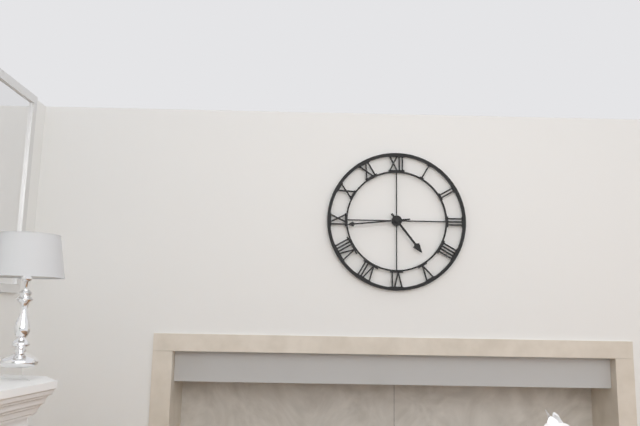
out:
{"hour": 4, "minute": 44}
